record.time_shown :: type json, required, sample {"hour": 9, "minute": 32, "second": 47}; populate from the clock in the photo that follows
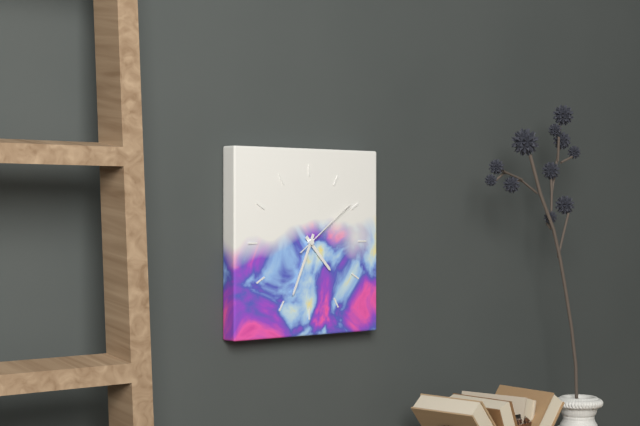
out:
{"hour": 4, "minute": 34, "second": 9}
